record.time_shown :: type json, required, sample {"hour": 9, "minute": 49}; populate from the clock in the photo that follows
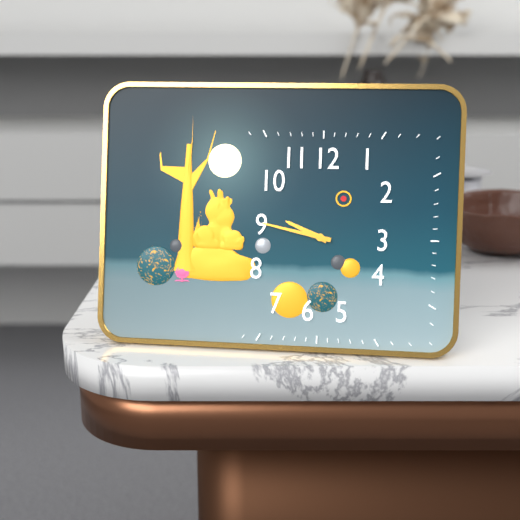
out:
{"hour": 9, "minute": 47}
